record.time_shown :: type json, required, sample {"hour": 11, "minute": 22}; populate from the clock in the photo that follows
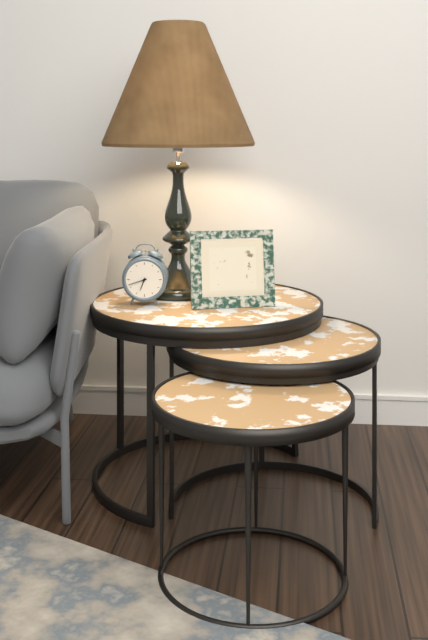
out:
{"hour": 6, "minute": 42}
